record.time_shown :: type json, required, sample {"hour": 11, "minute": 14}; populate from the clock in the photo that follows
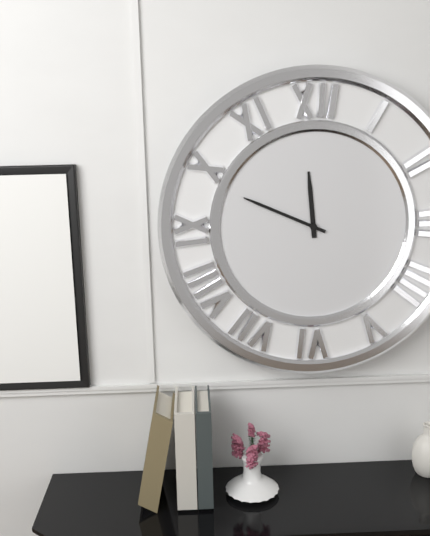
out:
{"hour": 11, "minute": 49}
